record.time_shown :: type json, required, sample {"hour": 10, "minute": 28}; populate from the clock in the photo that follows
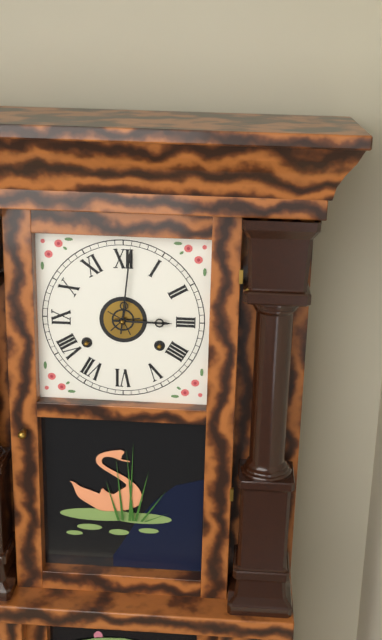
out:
{"hour": 3, "minute": 1}
